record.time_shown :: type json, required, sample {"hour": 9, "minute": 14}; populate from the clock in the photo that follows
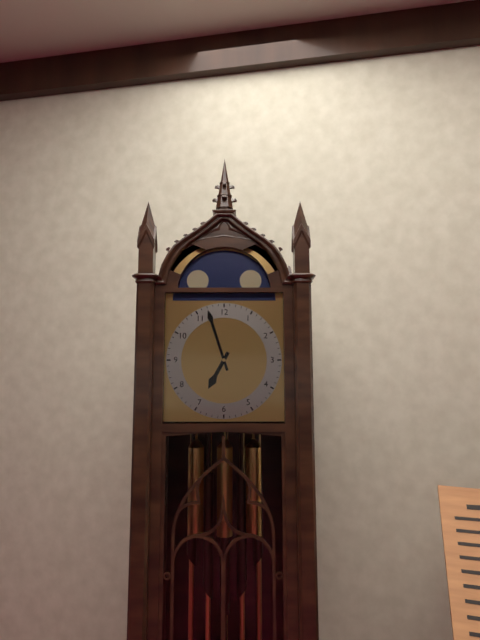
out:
{"hour": 6, "minute": 57}
